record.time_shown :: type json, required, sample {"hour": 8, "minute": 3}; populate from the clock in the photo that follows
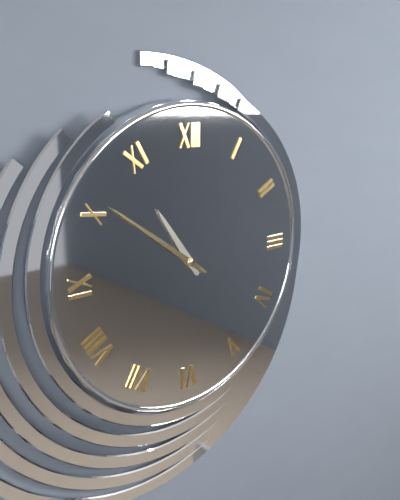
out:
{"hour": 10, "minute": 51}
